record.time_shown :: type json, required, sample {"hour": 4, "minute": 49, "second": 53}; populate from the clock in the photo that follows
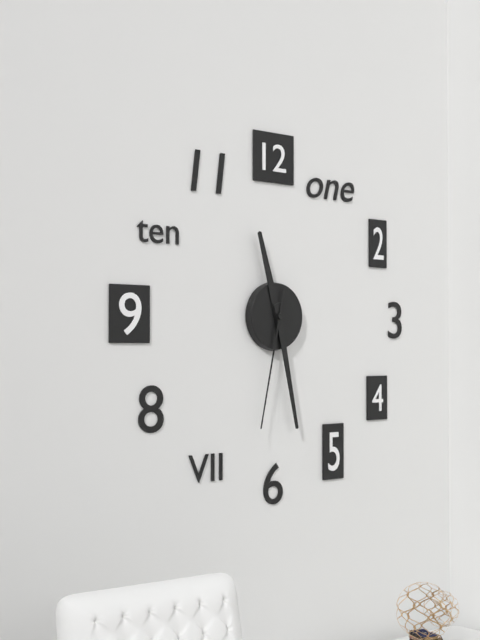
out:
{"hour": 11, "minute": 28, "second": 32}
